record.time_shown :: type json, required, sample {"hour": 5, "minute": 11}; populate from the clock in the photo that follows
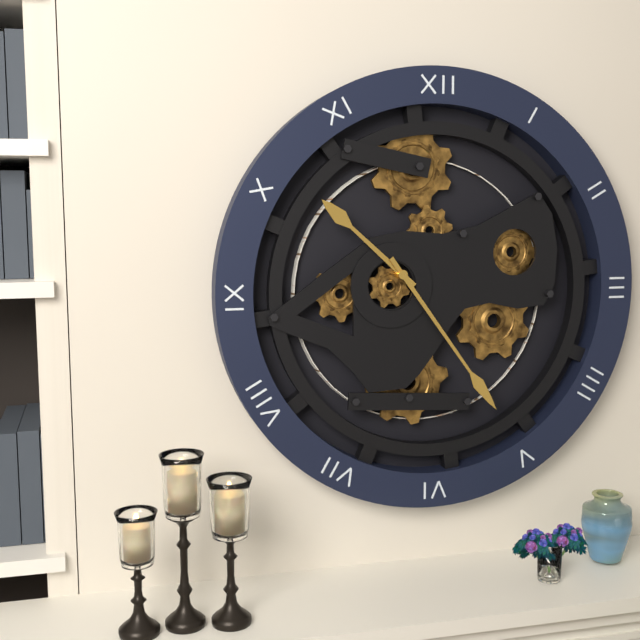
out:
{"hour": 10, "minute": 24}
